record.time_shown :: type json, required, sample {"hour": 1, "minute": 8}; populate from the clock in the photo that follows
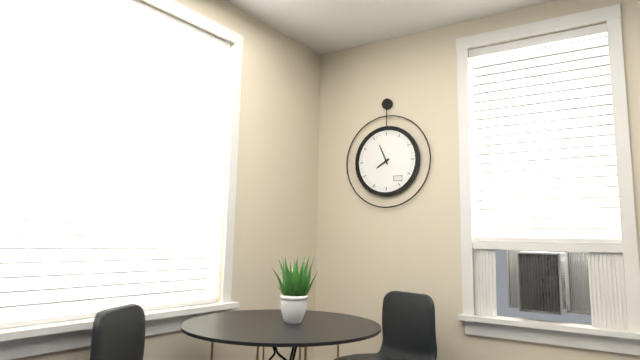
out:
{"hour": 7, "minute": 56}
